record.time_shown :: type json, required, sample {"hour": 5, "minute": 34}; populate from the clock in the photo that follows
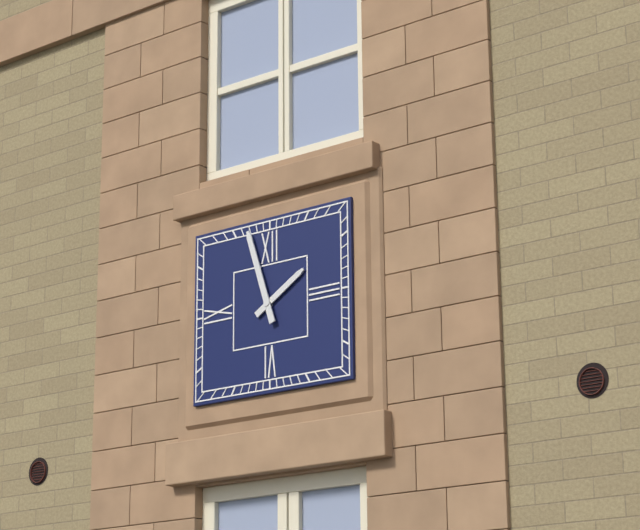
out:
{"hour": 1, "minute": 57}
